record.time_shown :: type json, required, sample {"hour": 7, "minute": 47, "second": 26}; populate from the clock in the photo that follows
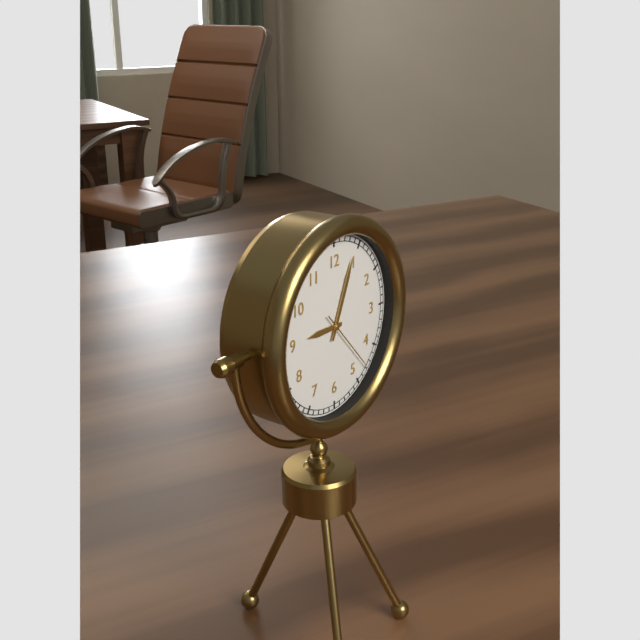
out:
{"hour": 9, "minute": 4, "second": 23}
